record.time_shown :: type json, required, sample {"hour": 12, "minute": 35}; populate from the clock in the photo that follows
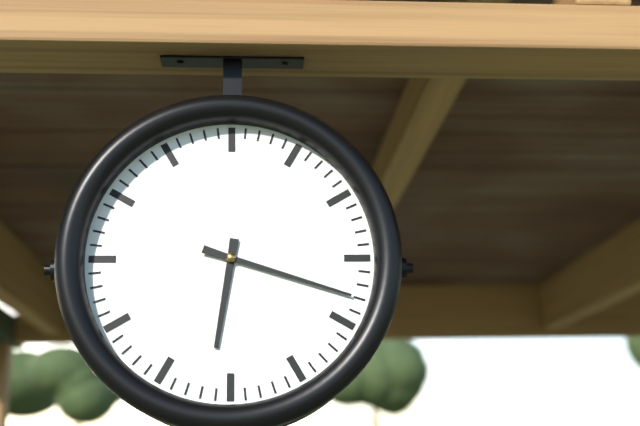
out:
{"hour": 6, "minute": 18}
